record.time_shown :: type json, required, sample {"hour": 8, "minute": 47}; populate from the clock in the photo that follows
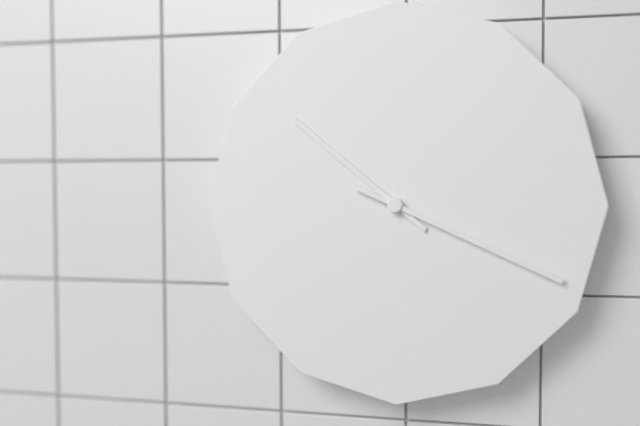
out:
{"hour": 10, "minute": 19}
